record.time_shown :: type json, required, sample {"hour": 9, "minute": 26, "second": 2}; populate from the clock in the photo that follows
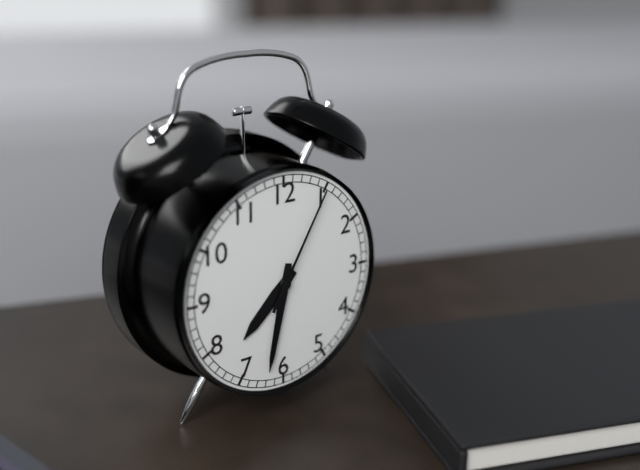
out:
{"hour": 7, "minute": 32, "second": 5}
